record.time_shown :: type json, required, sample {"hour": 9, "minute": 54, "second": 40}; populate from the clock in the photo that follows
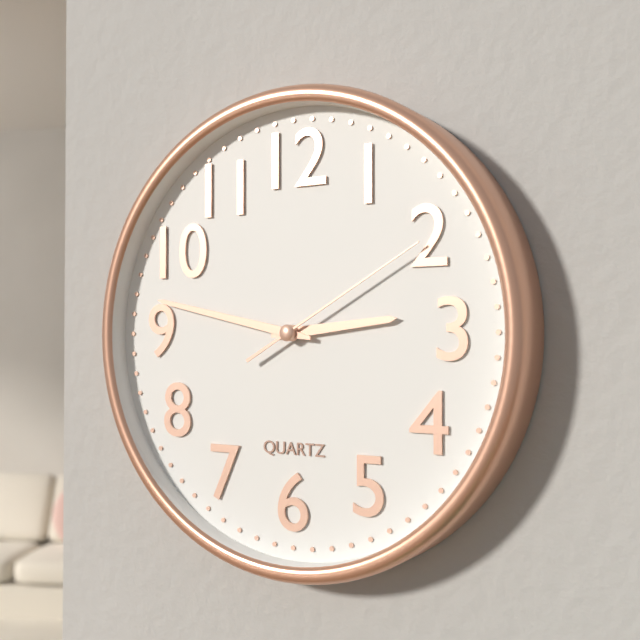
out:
{"hour": 2, "minute": 47, "second": 10}
